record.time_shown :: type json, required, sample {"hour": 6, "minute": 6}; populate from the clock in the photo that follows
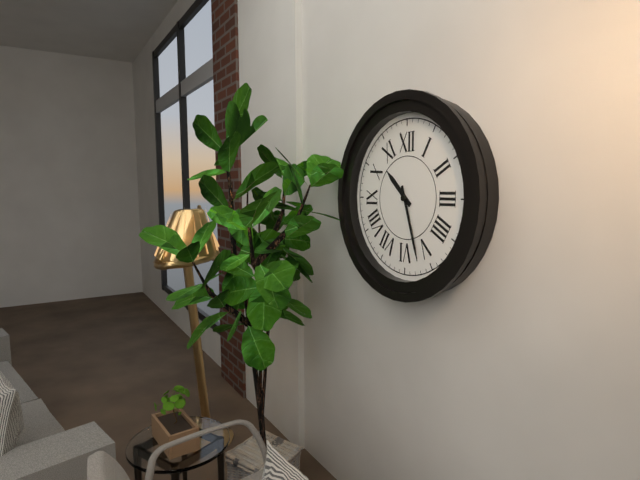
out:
{"hour": 10, "minute": 27}
